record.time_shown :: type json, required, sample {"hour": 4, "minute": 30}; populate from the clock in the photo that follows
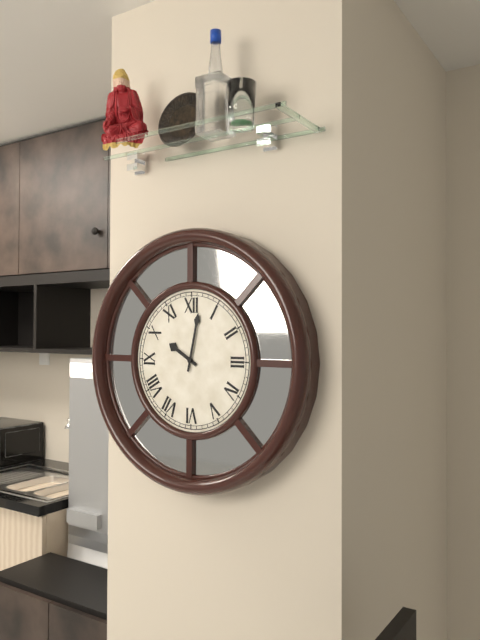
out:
{"hour": 10, "minute": 2}
